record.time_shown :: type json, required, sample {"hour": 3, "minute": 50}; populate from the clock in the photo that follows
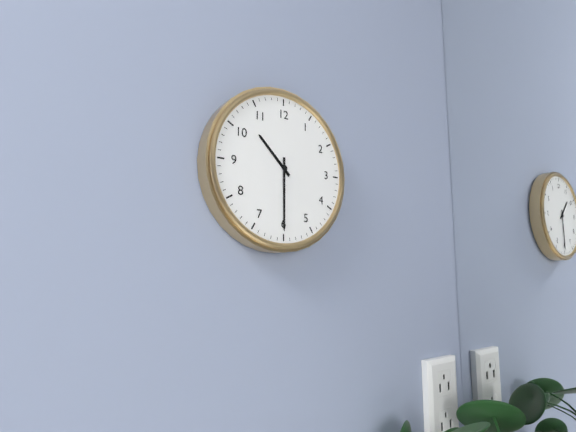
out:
{"hour": 10, "minute": 30}
